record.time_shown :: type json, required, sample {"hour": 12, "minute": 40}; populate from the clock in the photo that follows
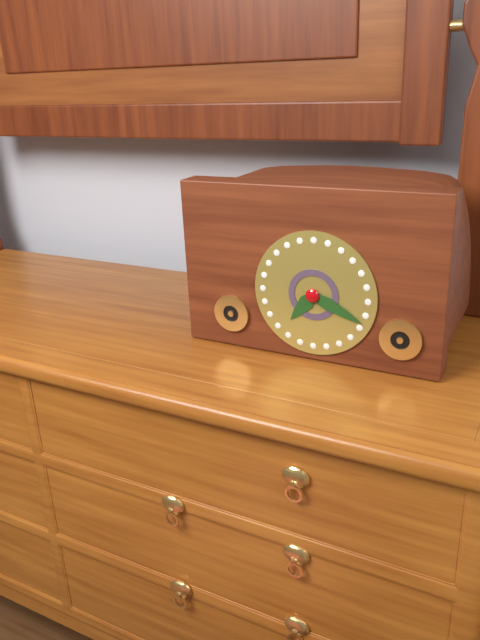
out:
{"hour": 7, "minute": 19}
